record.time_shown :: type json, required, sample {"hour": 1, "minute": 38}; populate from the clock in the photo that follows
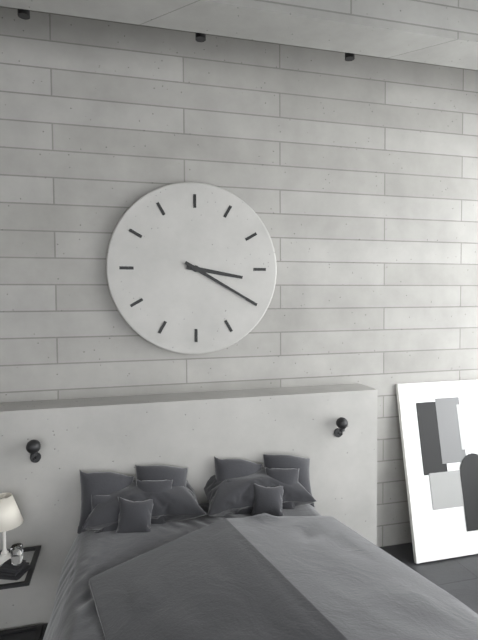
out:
{"hour": 3, "minute": 20}
